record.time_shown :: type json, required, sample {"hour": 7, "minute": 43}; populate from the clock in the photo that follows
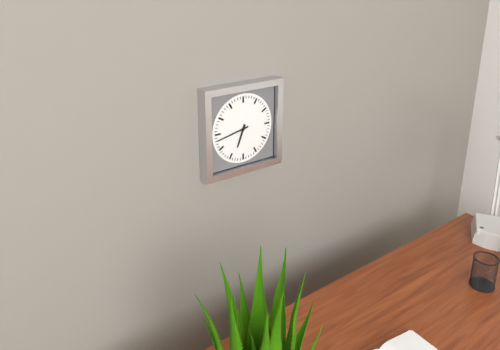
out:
{"hour": 6, "minute": 43}
